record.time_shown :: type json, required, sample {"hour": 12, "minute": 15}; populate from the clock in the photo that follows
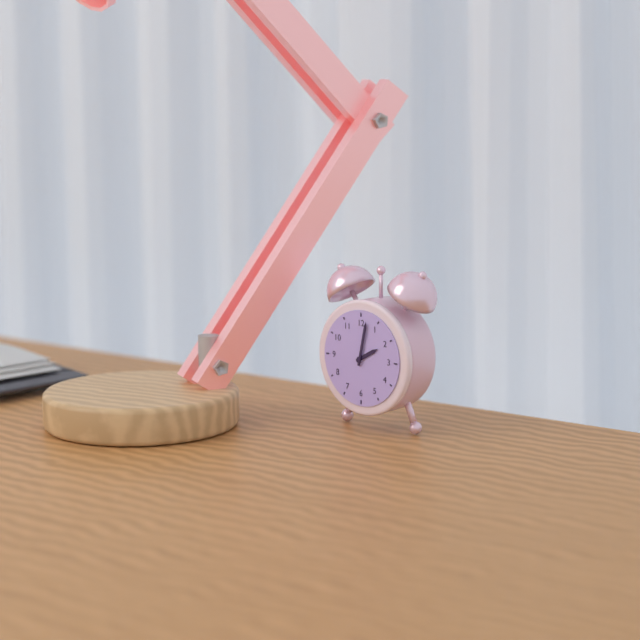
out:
{"hour": 2, "minute": 2}
